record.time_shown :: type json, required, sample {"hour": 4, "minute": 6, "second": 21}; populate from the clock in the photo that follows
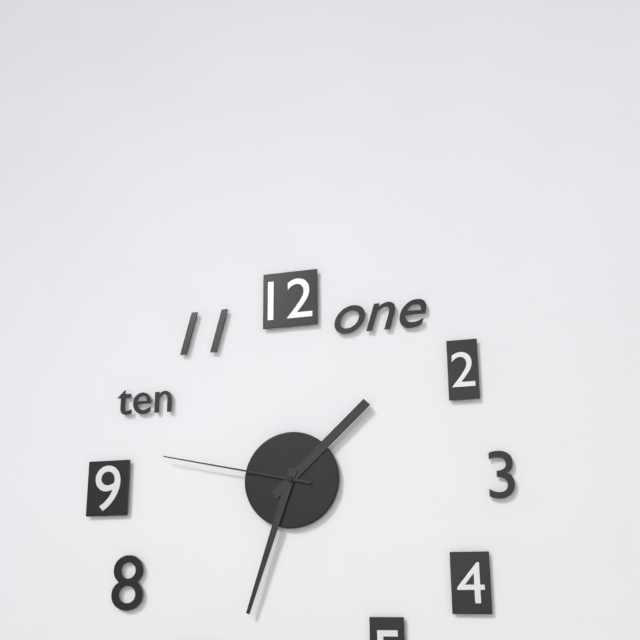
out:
{"hour": 1, "minute": 33, "second": 47}
